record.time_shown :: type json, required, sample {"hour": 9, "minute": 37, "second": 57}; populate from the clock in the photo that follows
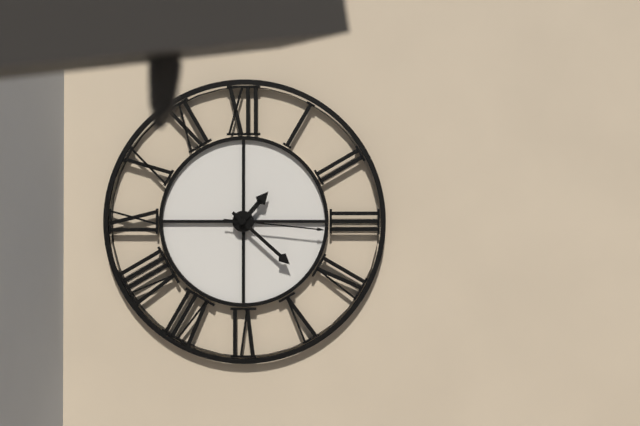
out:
{"hour": 1, "minute": 22, "second": 16}
